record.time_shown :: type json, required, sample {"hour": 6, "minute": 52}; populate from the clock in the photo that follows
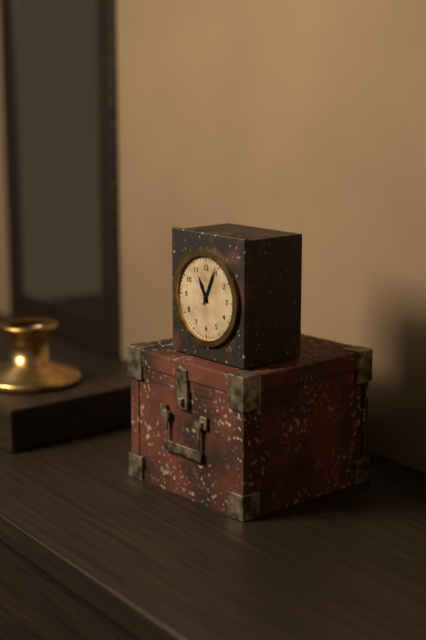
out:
{"hour": 11, "minute": 4}
